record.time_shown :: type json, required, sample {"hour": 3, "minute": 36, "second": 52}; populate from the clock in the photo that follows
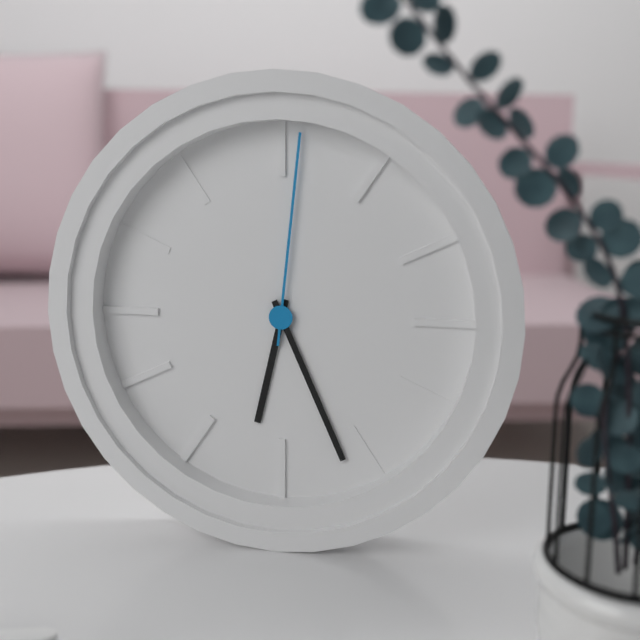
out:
{"hour": 6, "minute": 26, "second": 1}
